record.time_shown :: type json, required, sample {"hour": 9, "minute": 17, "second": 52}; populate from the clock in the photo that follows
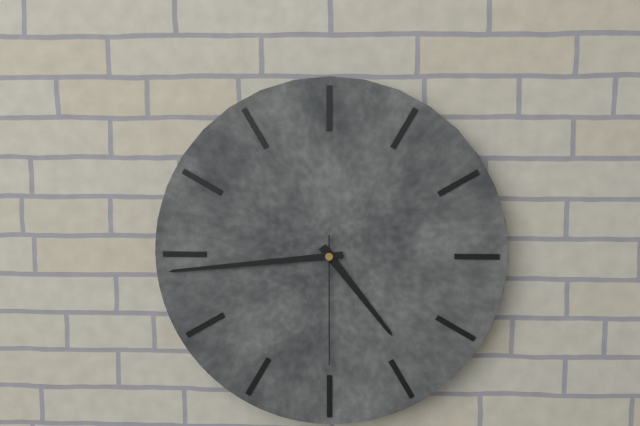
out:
{"hour": 4, "minute": 44, "second": 30}
